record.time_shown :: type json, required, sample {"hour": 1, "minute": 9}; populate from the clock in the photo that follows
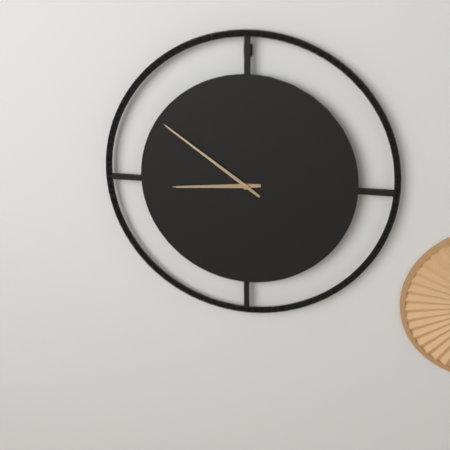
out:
{"hour": 8, "minute": 51}
